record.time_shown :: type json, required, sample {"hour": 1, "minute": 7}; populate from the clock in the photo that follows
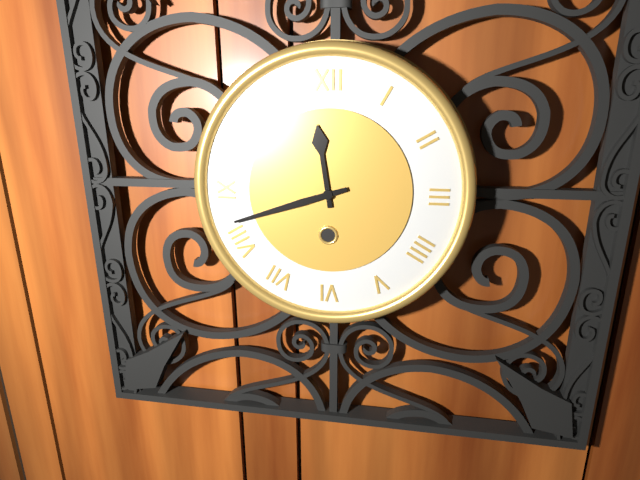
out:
{"hour": 11, "minute": 42}
